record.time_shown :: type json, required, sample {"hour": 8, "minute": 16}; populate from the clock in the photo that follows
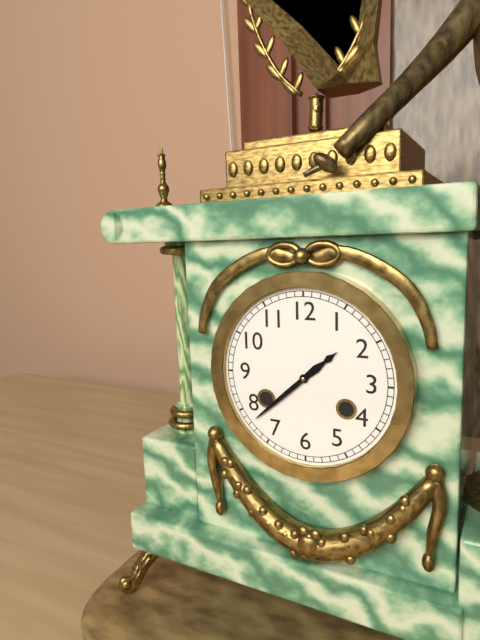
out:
{"hour": 1, "minute": 38}
